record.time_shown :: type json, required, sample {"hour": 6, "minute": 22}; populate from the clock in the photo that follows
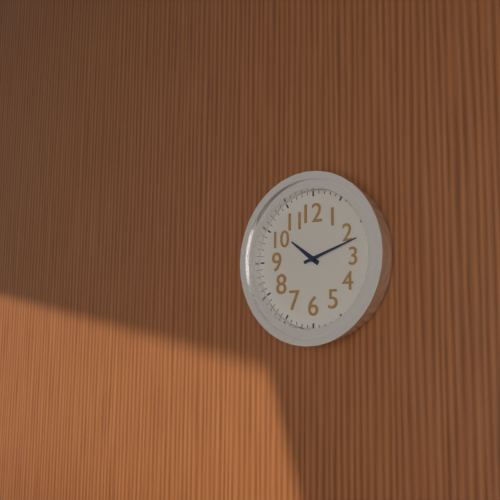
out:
{"hour": 10, "minute": 12}
